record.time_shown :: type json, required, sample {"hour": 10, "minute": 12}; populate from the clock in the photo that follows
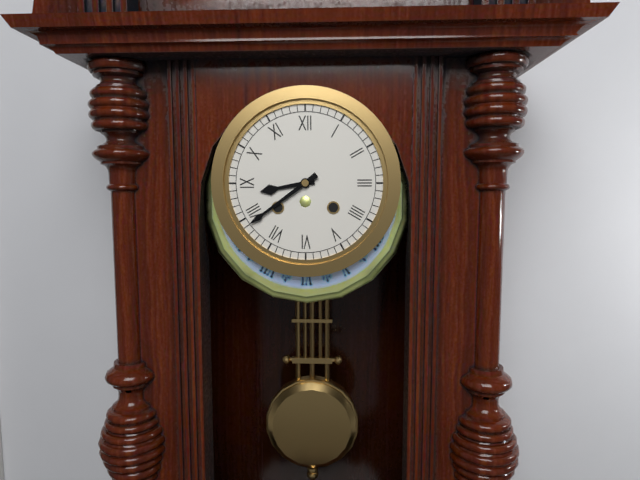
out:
{"hour": 8, "minute": 39}
